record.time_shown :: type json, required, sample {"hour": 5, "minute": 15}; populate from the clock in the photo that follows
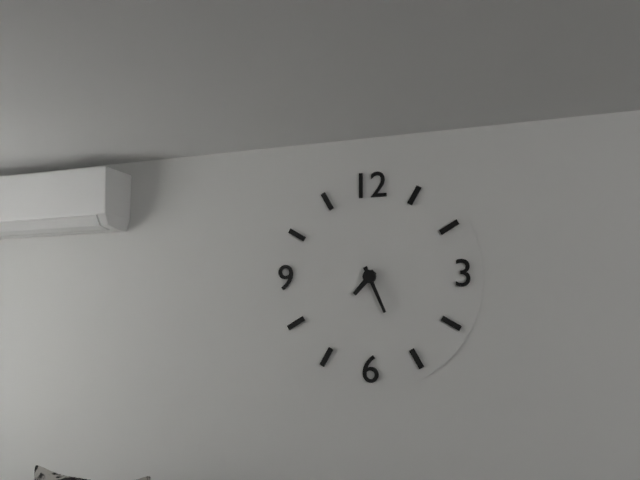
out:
{"hour": 7, "minute": 26}
